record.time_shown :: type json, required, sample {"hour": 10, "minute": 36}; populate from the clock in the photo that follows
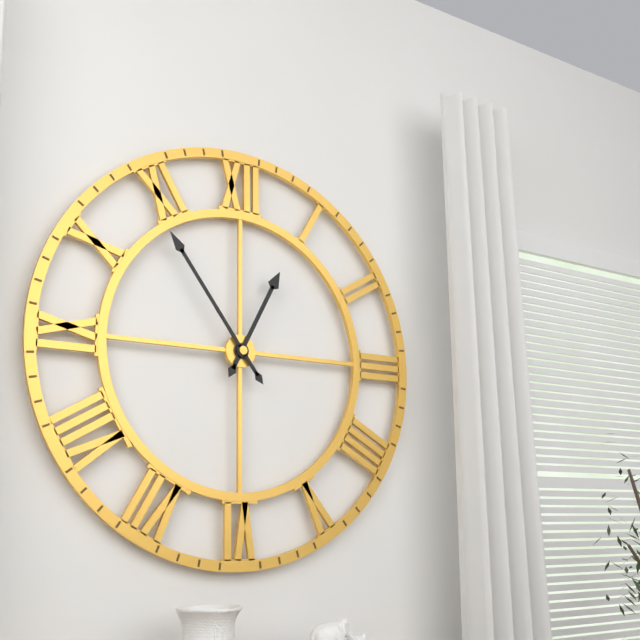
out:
{"hour": 12, "minute": 54}
